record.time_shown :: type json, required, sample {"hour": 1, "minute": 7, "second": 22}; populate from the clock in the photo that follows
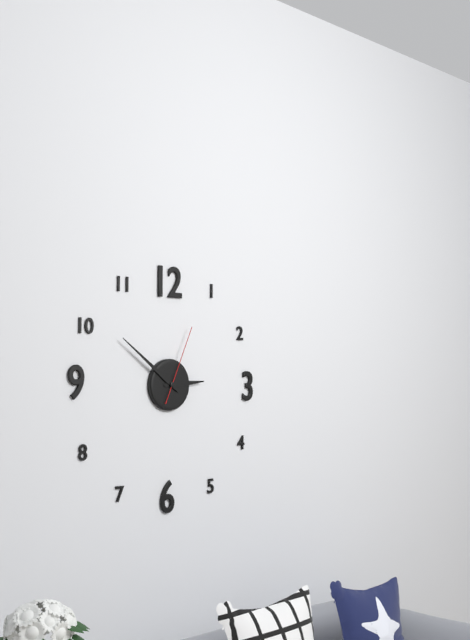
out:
{"hour": 2, "minute": 51, "second": 4}
